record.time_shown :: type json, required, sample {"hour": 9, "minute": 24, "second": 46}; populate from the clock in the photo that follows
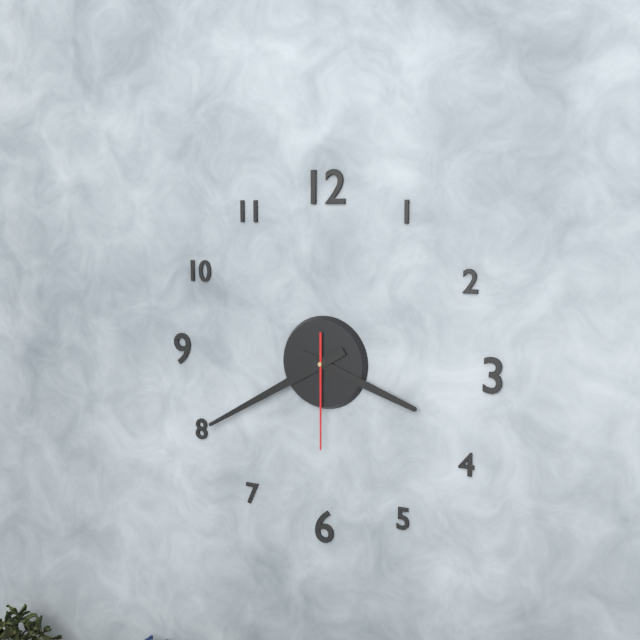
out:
{"hour": 3, "minute": 40, "second": 30}
